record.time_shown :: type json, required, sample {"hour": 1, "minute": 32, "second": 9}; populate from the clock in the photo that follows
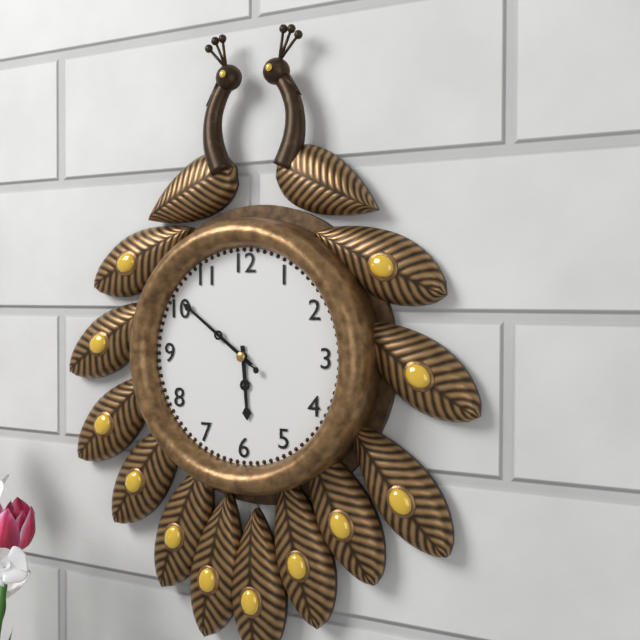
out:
{"hour": 5, "minute": 51, "second": 51}
